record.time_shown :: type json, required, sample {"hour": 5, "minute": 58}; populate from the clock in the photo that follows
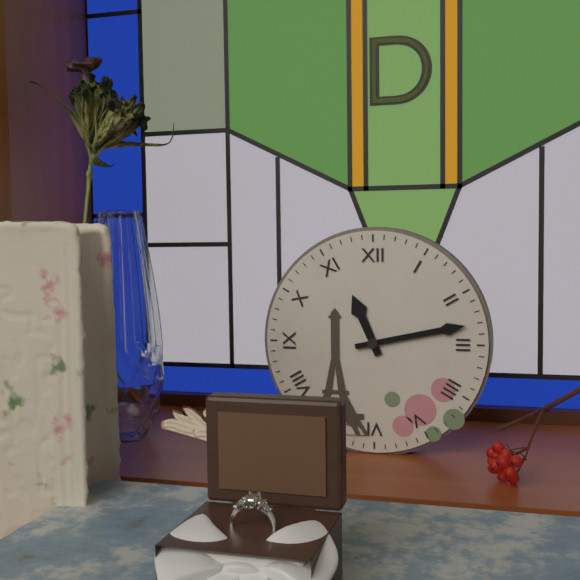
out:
{"hour": 11, "minute": 13}
